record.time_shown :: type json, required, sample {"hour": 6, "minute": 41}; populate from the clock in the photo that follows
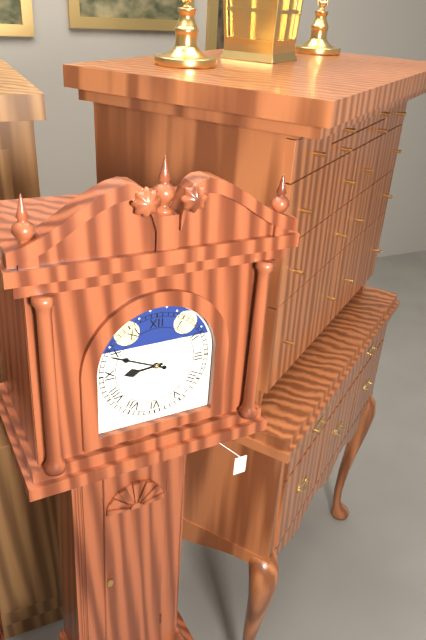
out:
{"hour": 8, "minute": 49}
